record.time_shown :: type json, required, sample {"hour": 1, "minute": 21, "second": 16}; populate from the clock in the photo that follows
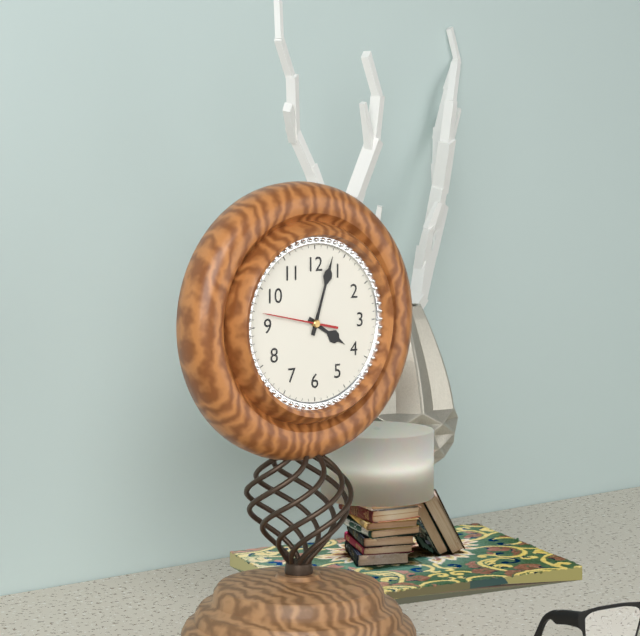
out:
{"hour": 4, "minute": 3, "second": 47}
